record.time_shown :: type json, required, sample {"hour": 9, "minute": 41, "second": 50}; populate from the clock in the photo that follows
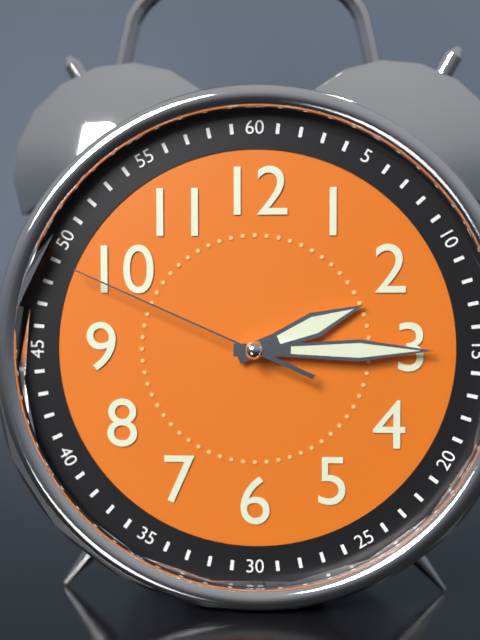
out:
{"hour": 2, "minute": 15, "second": 49}
